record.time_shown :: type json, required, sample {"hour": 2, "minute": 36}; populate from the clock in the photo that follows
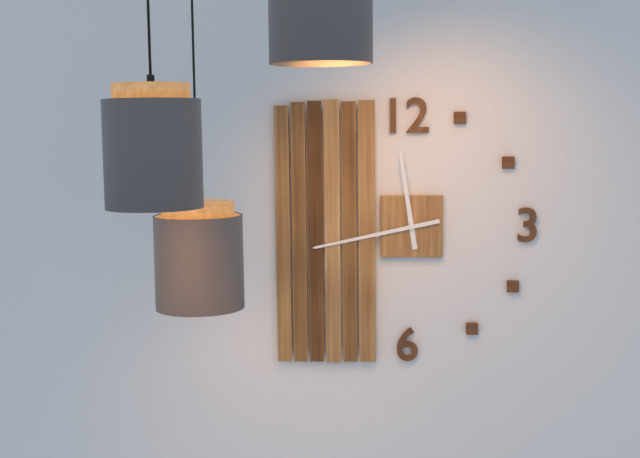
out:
{"hour": 11, "minute": 43}
